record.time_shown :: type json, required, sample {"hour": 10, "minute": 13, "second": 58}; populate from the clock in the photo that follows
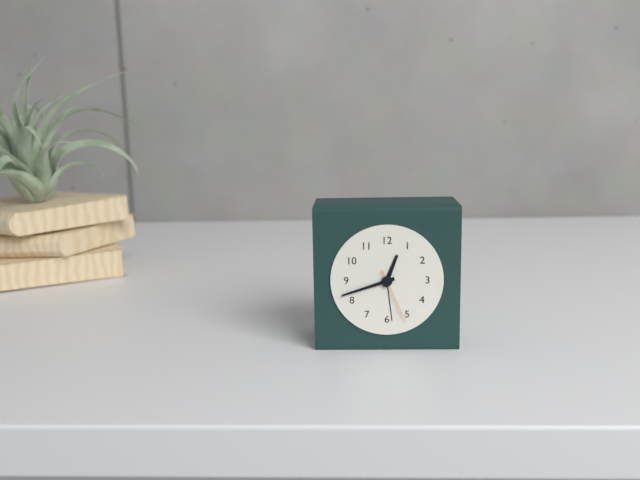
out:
{"hour": 12, "minute": 42, "second": 26}
